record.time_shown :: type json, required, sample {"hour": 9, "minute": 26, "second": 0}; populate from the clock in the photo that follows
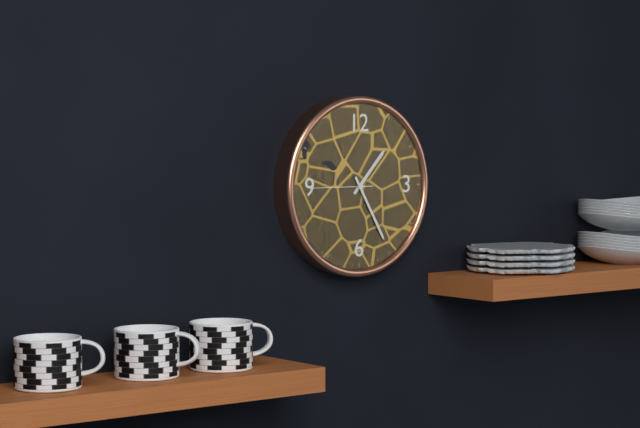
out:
{"hour": 1, "minute": 25, "second": 45}
